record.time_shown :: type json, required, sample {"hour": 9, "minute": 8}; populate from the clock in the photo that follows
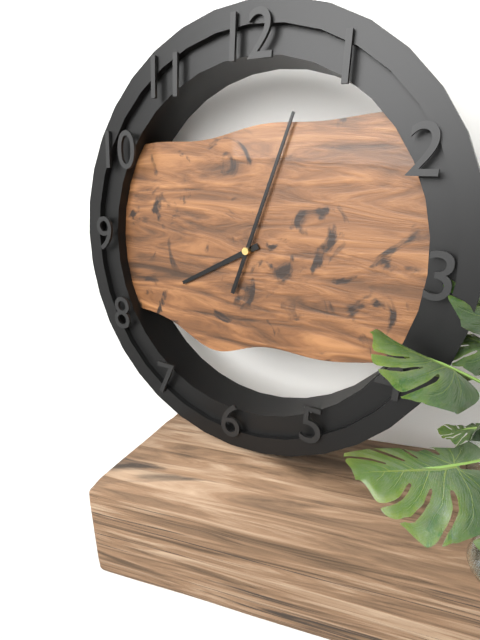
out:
{"hour": 8, "minute": 3}
